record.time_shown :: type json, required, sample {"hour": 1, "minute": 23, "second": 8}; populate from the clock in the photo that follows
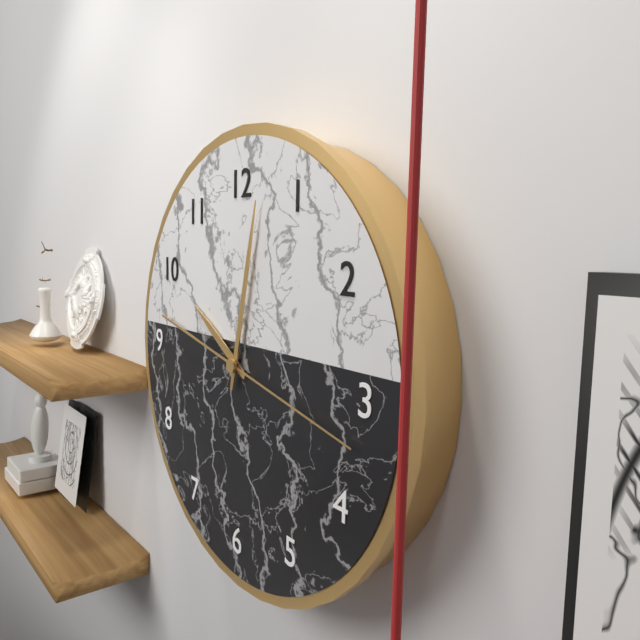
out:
{"hour": 10, "minute": 2, "second": 17}
